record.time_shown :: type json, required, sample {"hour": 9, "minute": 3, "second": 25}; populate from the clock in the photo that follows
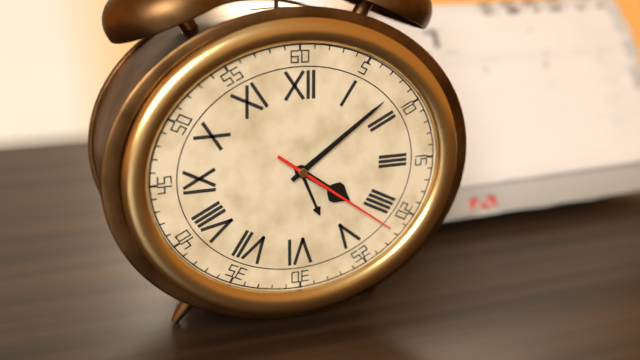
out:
{"hour": 4, "minute": 9, "second": 21}
